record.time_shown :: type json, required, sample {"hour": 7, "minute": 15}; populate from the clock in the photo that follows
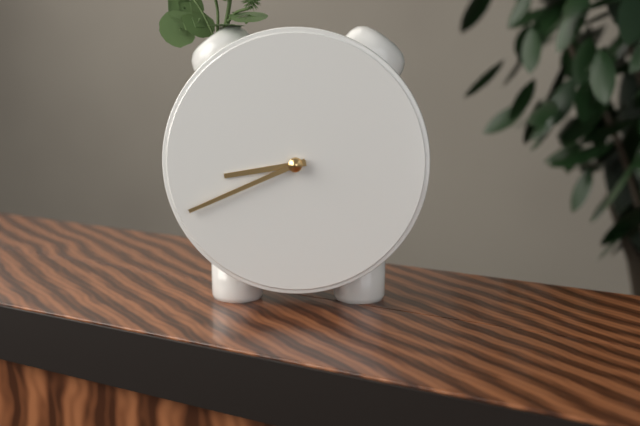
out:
{"hour": 8, "minute": 41}
